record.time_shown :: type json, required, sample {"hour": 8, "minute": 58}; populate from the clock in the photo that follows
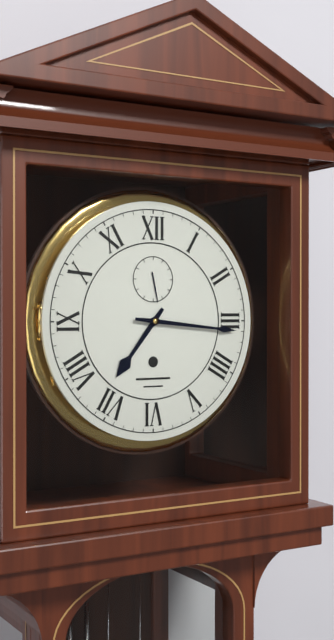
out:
{"hour": 7, "minute": 16}
